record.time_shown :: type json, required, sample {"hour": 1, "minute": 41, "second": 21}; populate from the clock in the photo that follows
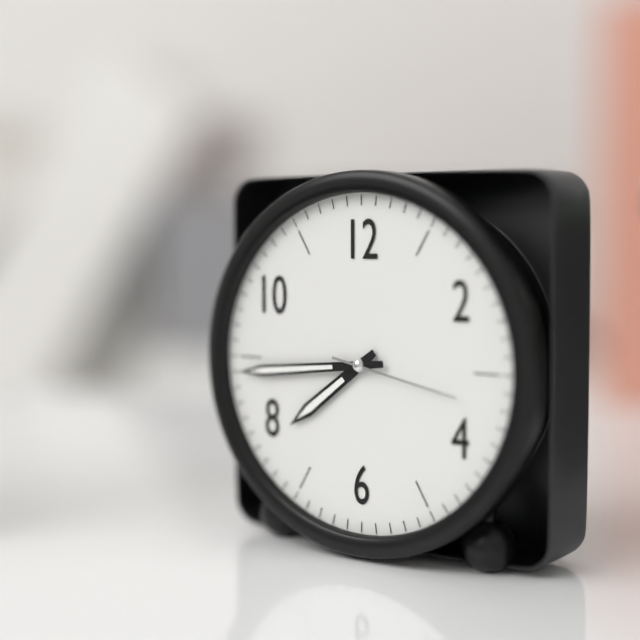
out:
{"hour": 7, "minute": 44, "second": 17}
